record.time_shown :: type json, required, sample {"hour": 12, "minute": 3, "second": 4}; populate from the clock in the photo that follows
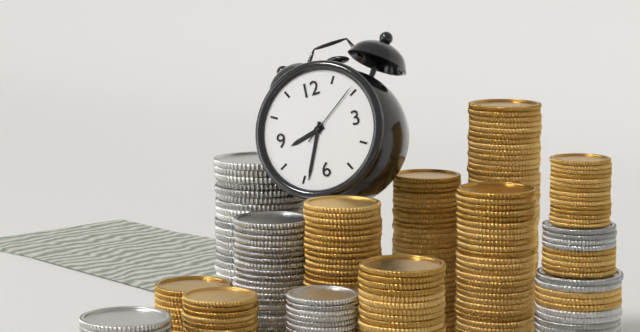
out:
{"hour": 8, "minute": 34, "second": 9}
